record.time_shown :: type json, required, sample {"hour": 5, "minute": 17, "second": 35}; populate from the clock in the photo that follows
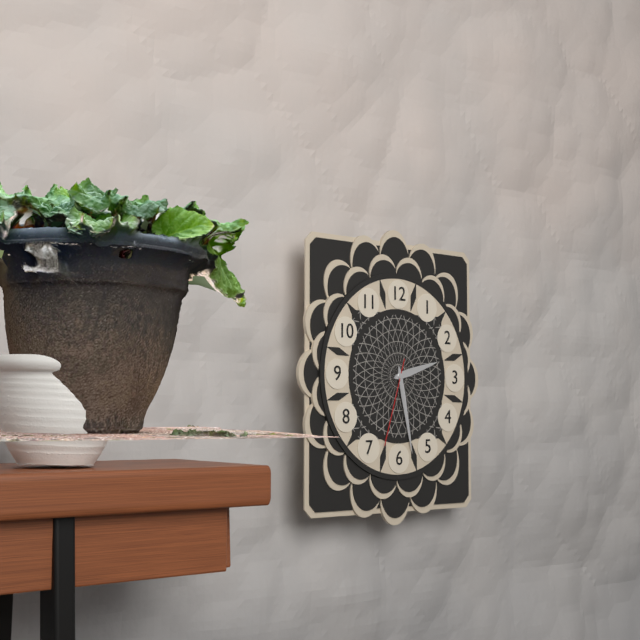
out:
{"hour": 2, "minute": 28, "second": 33}
